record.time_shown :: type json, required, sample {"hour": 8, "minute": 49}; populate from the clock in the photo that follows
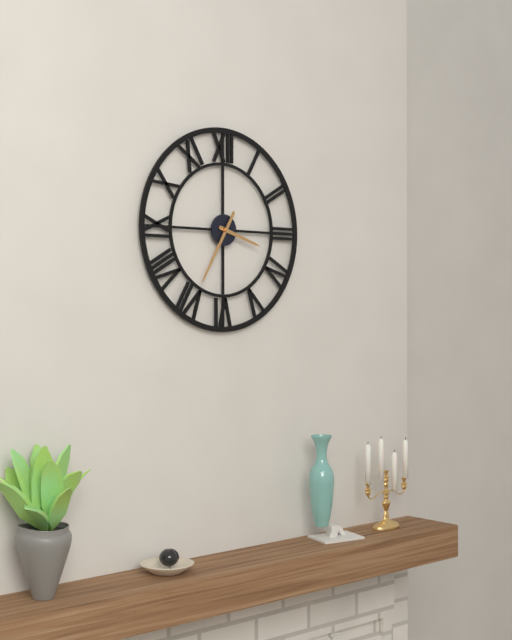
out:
{"hour": 3, "minute": 35}
